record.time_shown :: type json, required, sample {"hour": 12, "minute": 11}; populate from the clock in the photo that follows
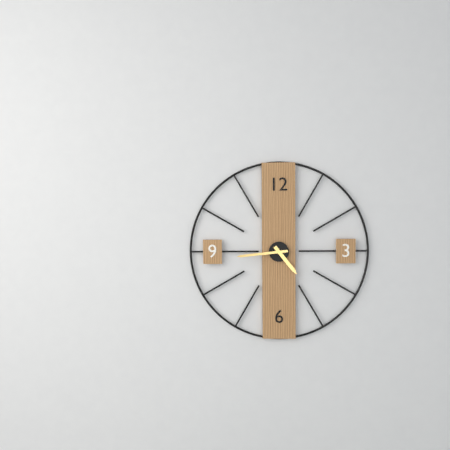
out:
{"hour": 4, "minute": 44}
